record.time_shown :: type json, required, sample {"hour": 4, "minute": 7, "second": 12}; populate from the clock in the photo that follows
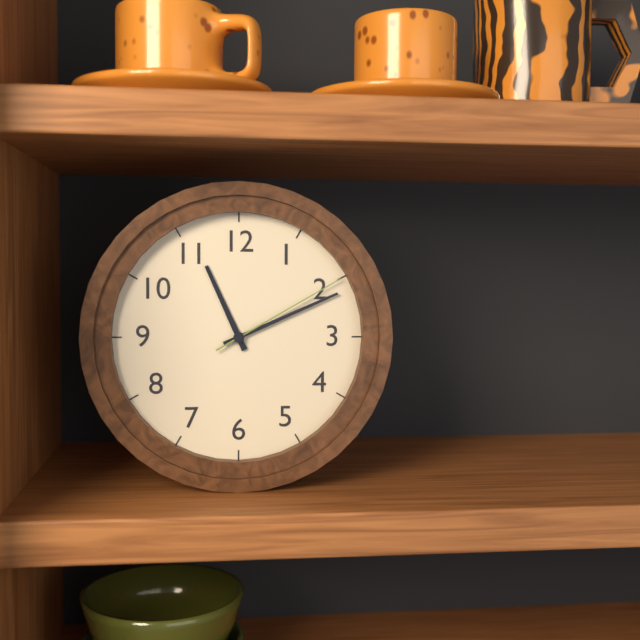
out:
{"hour": 11, "minute": 11, "second": 10}
